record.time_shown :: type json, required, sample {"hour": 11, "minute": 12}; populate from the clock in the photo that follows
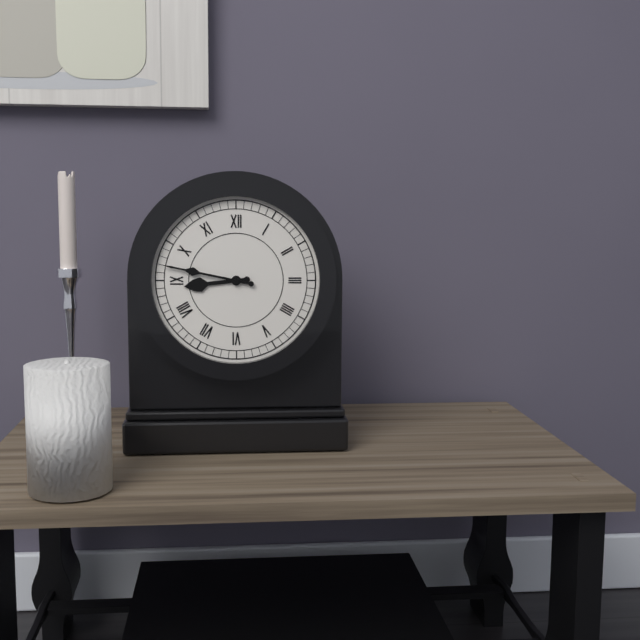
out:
{"hour": 8, "minute": 47}
